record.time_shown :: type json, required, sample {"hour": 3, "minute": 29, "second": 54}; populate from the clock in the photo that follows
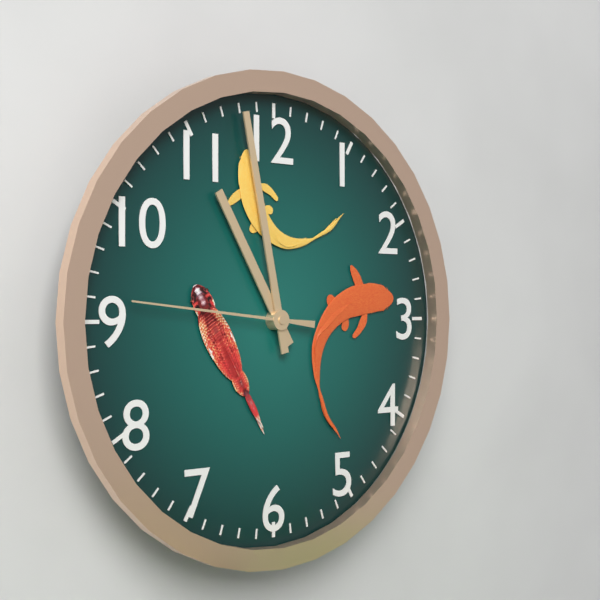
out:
{"hour": 10, "minute": 58, "second": 46}
